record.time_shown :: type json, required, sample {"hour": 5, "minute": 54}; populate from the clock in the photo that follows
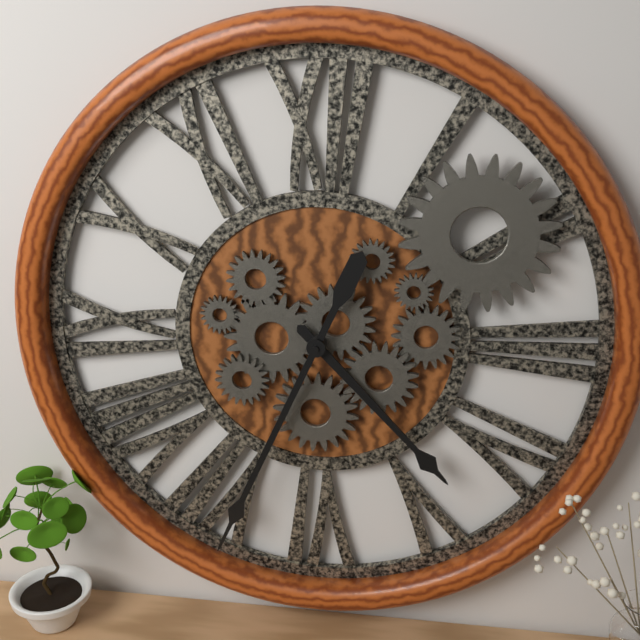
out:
{"hour": 4, "minute": 34}
